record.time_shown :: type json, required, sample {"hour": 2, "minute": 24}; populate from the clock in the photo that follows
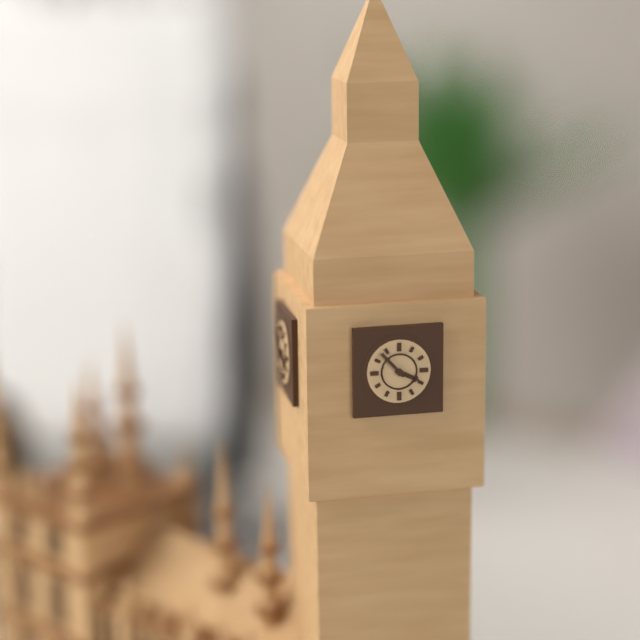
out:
{"hour": 3, "minute": 53}
